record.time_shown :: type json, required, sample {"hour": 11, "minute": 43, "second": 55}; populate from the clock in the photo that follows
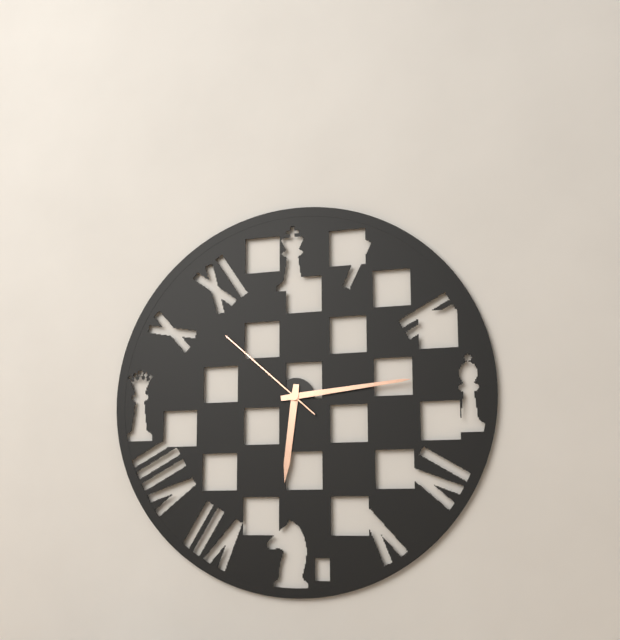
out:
{"hour": 6, "minute": 14, "second": 52}
